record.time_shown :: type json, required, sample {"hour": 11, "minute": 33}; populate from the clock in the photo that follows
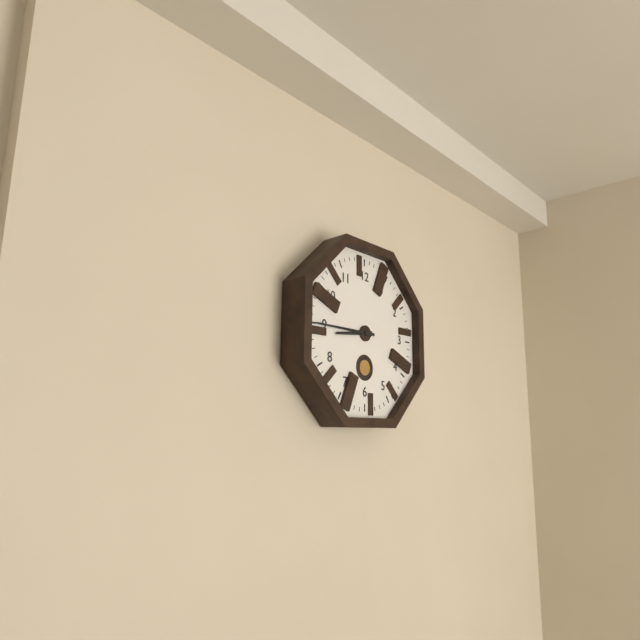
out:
{"hour": 8, "minute": 45}
